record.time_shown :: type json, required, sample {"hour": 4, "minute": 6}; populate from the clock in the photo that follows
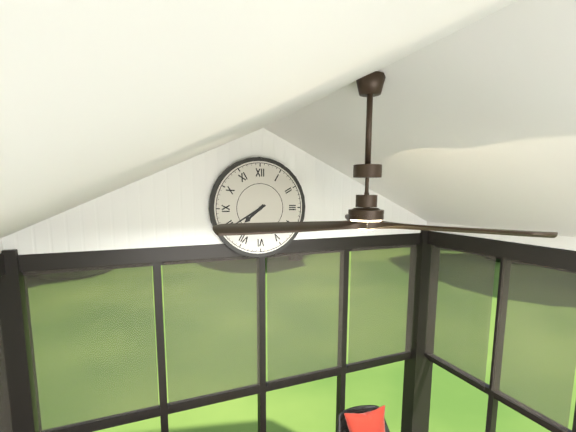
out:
{"hour": 7, "minute": 40}
